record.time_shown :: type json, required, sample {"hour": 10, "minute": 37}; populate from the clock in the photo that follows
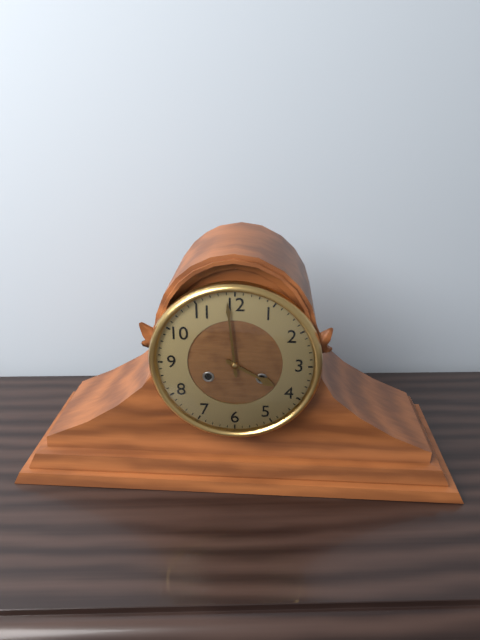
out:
{"hour": 3, "minute": 59}
